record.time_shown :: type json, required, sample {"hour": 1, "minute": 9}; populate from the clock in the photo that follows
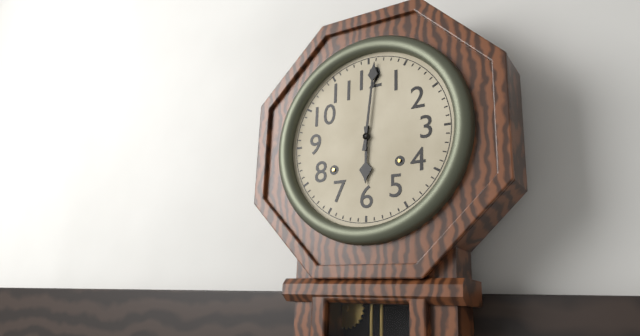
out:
{"hour": 6, "minute": 1}
